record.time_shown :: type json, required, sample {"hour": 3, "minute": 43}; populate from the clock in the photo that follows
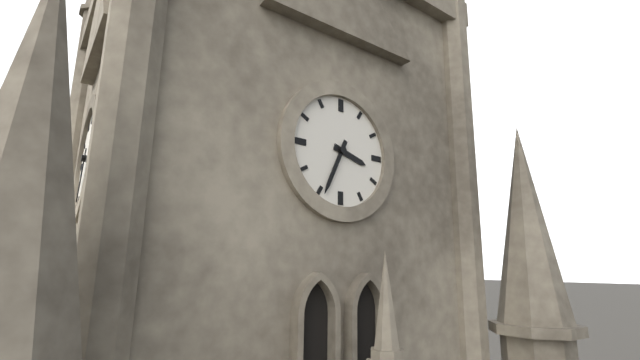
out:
{"hour": 3, "minute": 34}
